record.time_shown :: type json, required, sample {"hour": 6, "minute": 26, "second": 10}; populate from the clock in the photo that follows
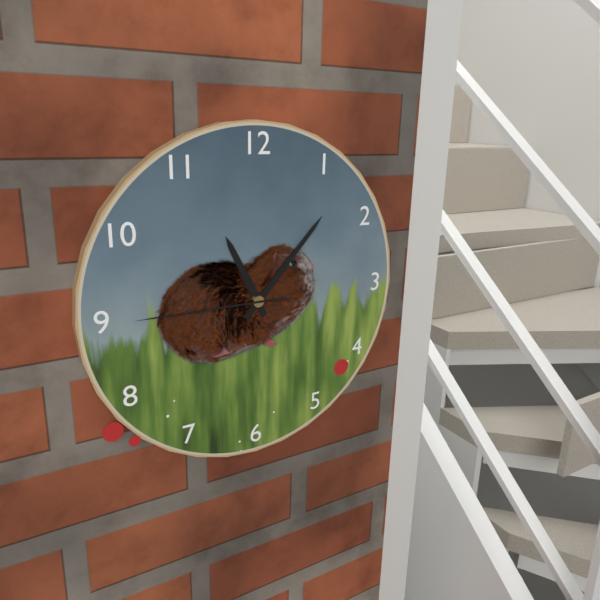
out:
{"hour": 11, "minute": 7, "second": 45}
